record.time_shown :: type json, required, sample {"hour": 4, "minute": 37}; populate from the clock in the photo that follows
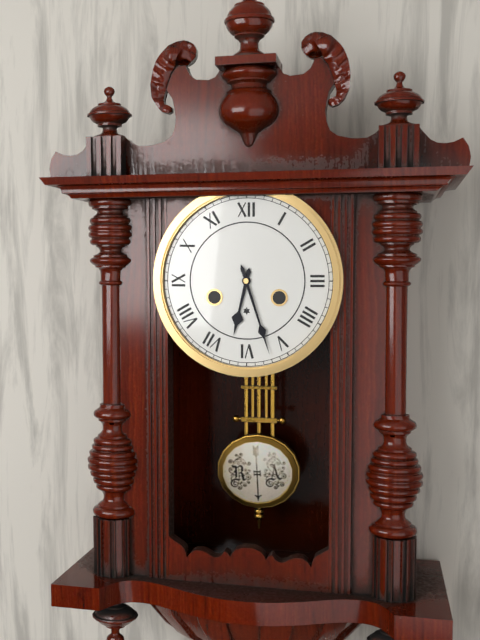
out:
{"hour": 6, "minute": 27}
